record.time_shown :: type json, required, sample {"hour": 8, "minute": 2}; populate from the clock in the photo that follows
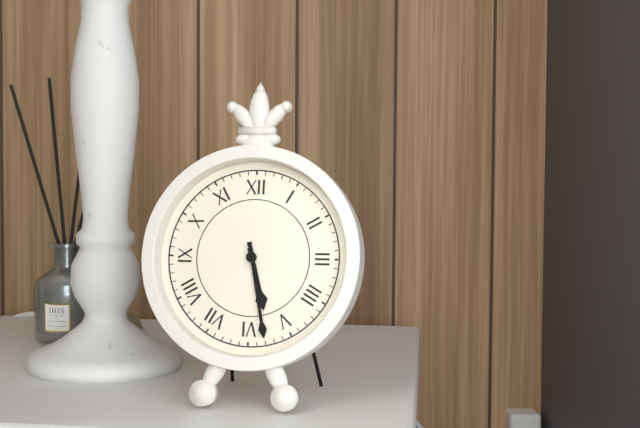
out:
{"hour": 5, "minute": 28}
